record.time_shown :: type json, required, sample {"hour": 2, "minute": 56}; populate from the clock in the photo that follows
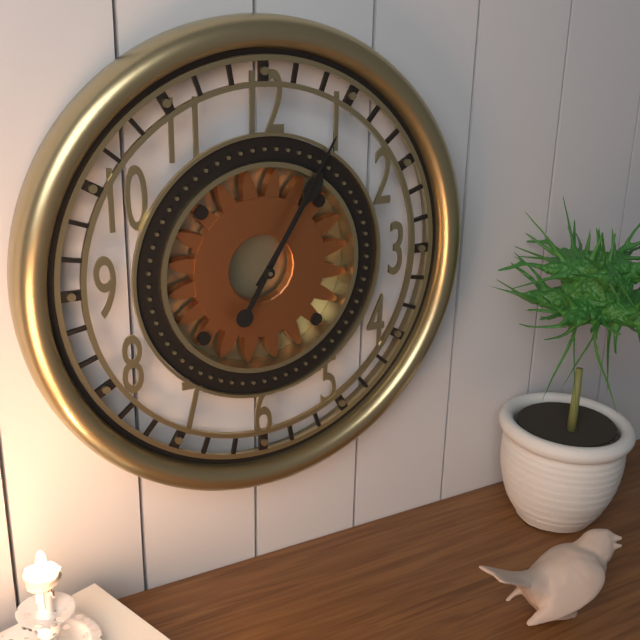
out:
{"hour": 1, "minute": 5}
